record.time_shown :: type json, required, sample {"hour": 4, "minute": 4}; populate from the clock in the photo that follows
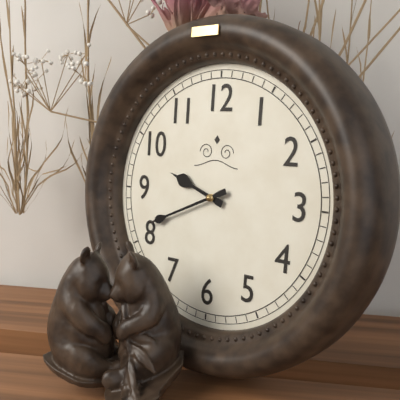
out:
{"hour": 9, "minute": 41}
